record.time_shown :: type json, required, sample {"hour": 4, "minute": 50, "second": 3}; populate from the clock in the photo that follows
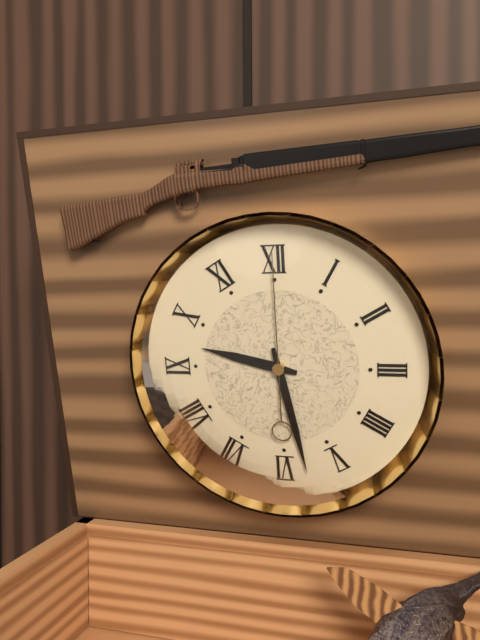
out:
{"hour": 9, "minute": 28, "second": 0}
